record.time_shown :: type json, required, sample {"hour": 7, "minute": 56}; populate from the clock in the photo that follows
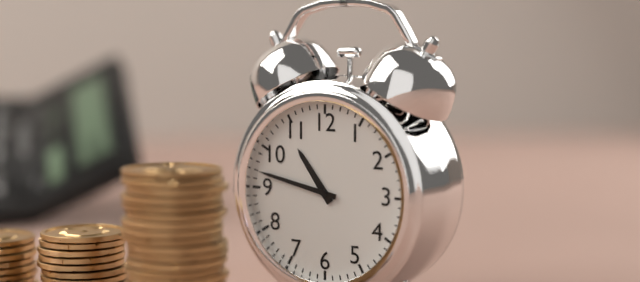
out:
{"hour": 10, "minute": 47}
